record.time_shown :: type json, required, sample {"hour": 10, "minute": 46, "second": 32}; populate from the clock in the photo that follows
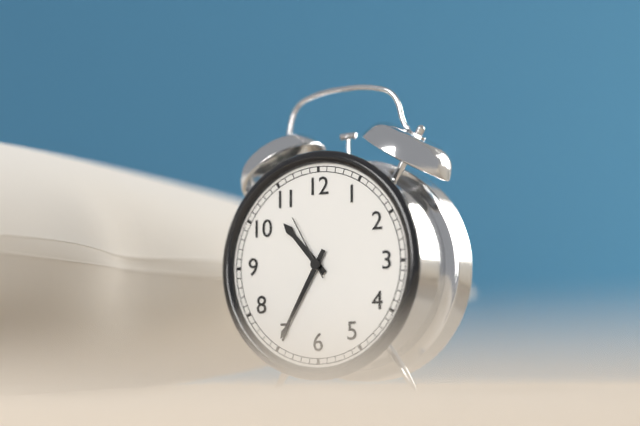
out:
{"hour": 10, "minute": 35, "second": 55}
